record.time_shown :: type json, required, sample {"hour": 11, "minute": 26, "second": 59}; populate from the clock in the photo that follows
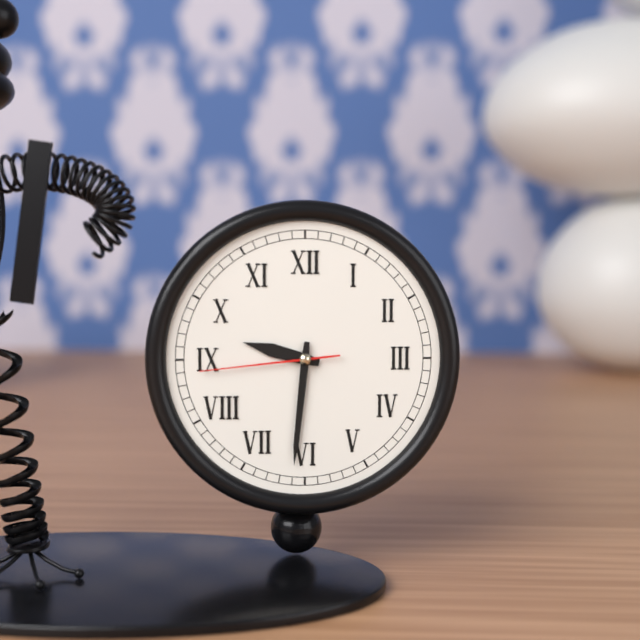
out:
{"hour": 9, "minute": 31, "second": 44}
